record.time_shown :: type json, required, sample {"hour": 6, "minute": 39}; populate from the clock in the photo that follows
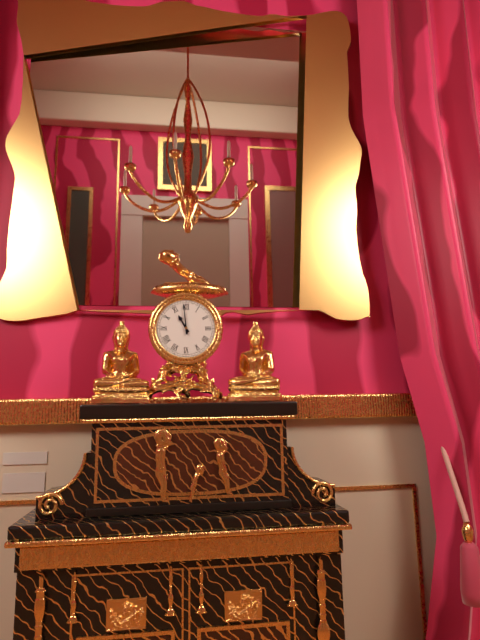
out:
{"hour": 10, "minute": 59}
